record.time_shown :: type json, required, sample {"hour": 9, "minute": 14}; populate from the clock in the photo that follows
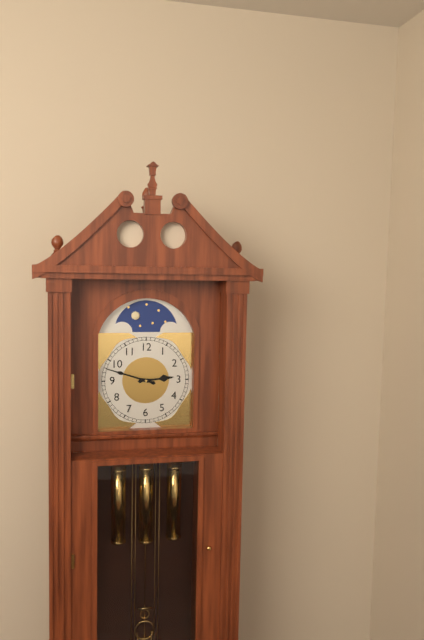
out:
{"hour": 2, "minute": 48}
